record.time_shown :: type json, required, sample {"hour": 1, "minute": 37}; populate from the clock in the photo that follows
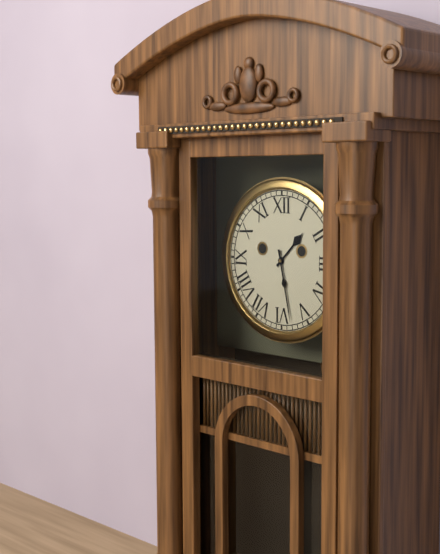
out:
{"hour": 1, "minute": 28}
